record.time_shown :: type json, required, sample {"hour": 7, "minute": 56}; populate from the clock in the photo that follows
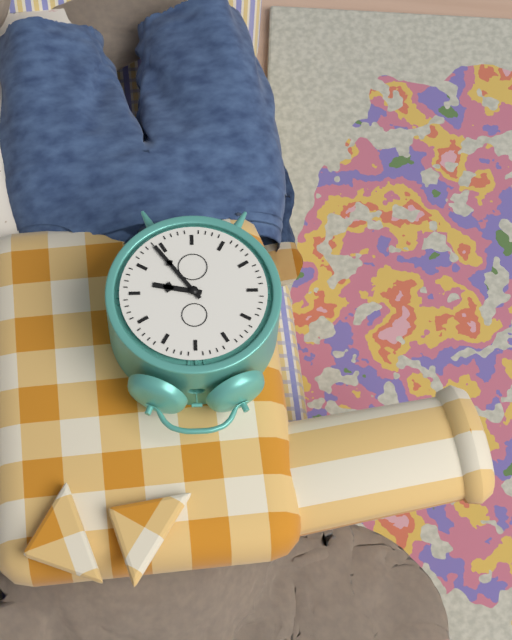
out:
{"hour": 3, "minute": 24}
